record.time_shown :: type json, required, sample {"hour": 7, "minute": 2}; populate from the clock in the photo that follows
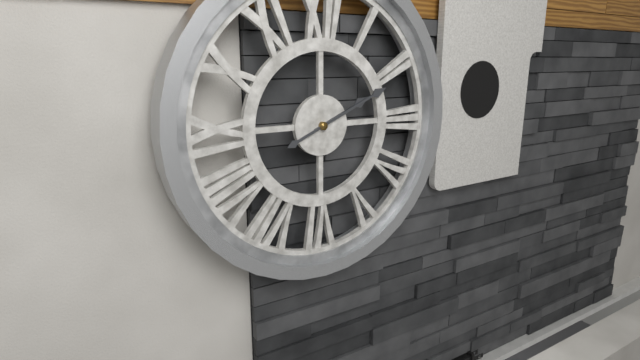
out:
{"hour": 2, "minute": 11}
